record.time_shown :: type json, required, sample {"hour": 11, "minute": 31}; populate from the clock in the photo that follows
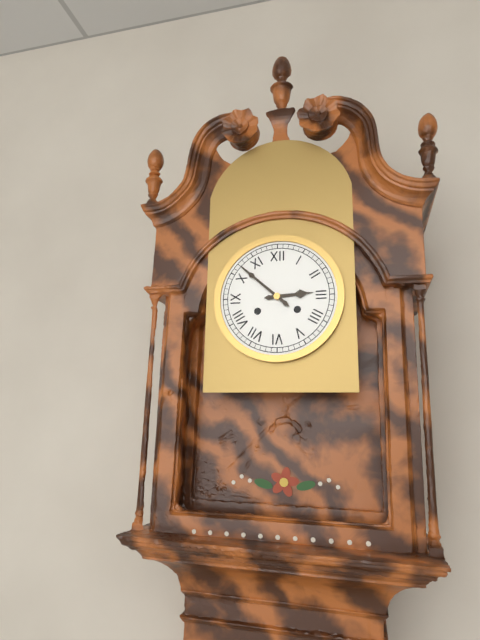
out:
{"hour": 2, "minute": 52}
